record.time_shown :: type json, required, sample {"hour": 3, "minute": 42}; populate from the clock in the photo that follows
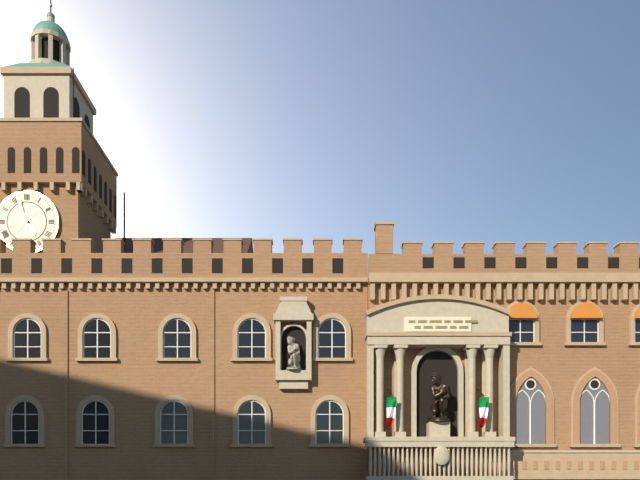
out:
{"hour": 4, "minute": 57}
